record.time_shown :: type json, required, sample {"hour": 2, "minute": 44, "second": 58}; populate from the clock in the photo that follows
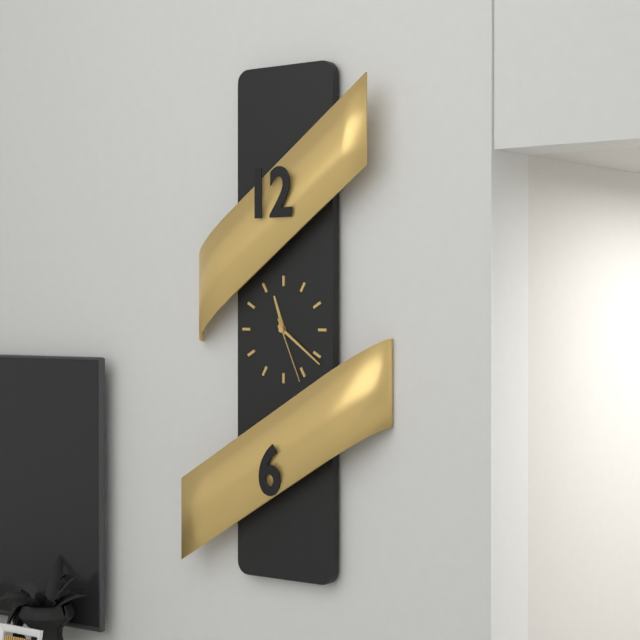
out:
{"hour": 11, "minute": 21, "second": 26}
